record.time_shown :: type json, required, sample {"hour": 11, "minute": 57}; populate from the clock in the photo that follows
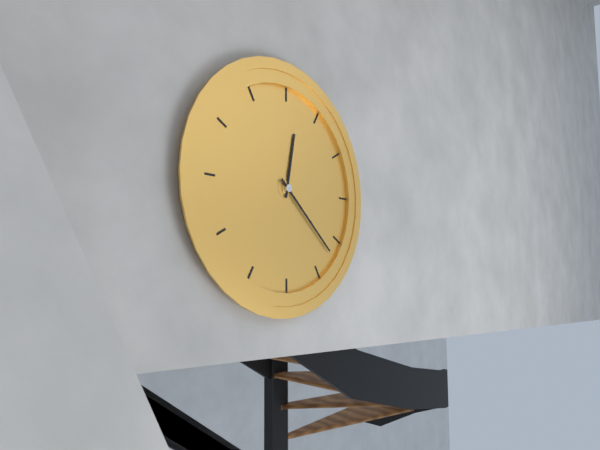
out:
{"hour": 12, "minute": 22}
